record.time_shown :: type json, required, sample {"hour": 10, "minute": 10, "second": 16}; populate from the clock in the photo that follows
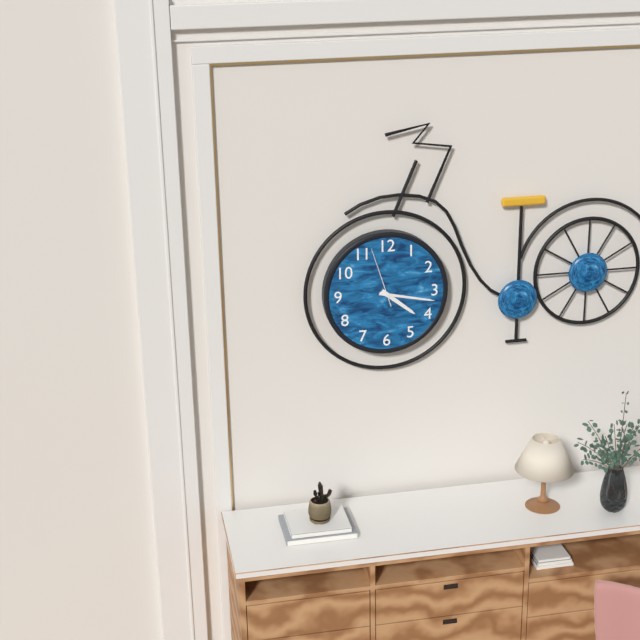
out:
{"hour": 4, "minute": 17, "second": 57}
